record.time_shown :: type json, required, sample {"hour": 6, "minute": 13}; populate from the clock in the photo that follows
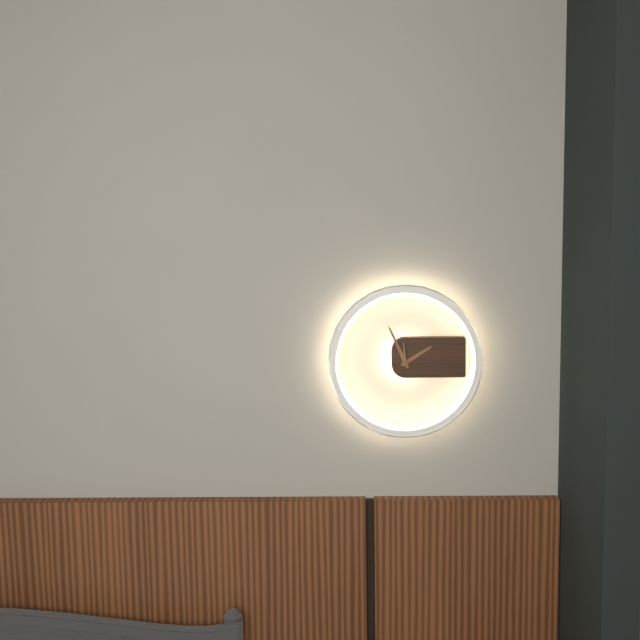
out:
{"hour": 1, "minute": 56}
